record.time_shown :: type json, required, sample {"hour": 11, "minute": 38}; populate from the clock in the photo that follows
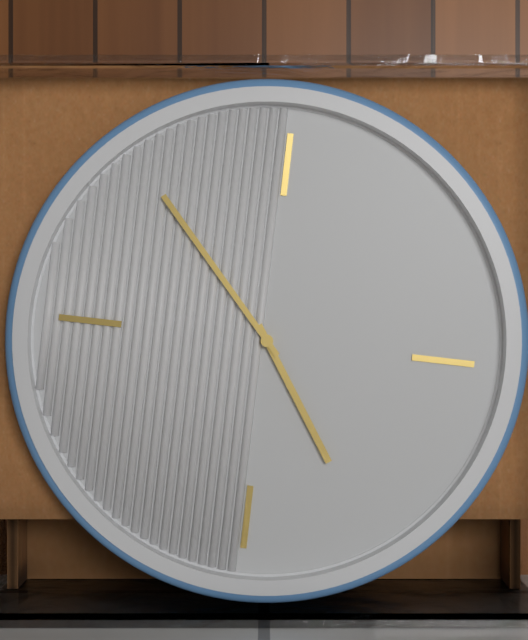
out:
{"hour": 4, "minute": 53}
